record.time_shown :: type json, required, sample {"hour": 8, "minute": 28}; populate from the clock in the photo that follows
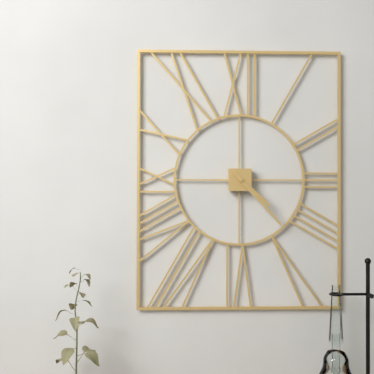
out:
{"hour": 4, "minute": 23}
